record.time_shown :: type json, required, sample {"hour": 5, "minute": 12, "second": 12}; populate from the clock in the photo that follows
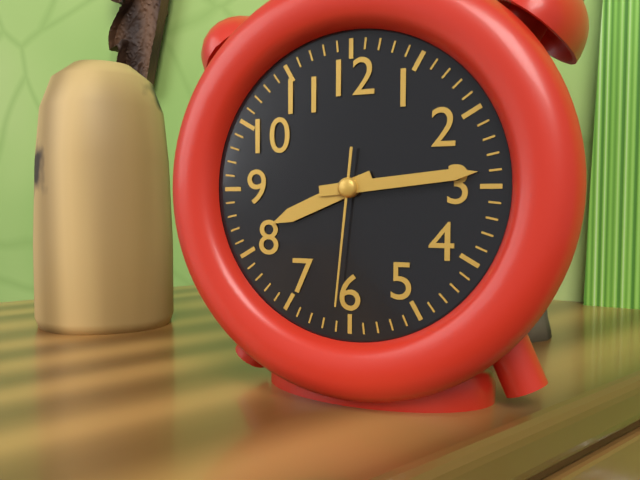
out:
{"hour": 8, "minute": 14, "second": 31}
